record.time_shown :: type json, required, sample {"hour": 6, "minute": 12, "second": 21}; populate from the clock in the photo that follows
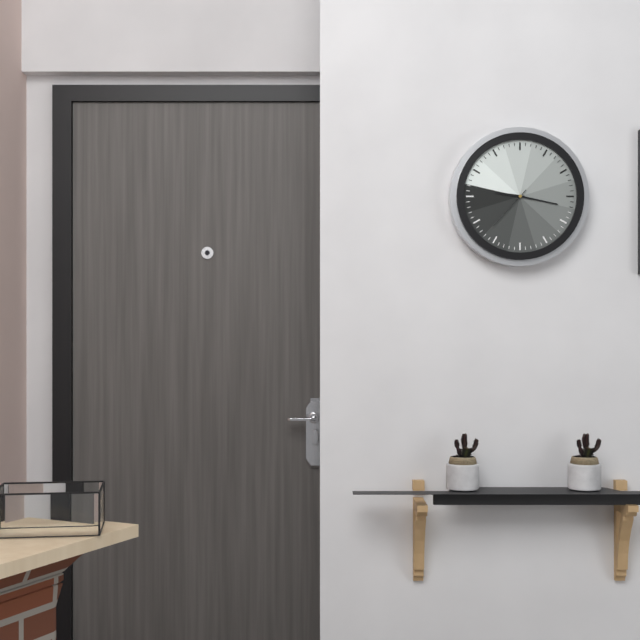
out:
{"hour": 9, "minute": 17, "second": 37}
